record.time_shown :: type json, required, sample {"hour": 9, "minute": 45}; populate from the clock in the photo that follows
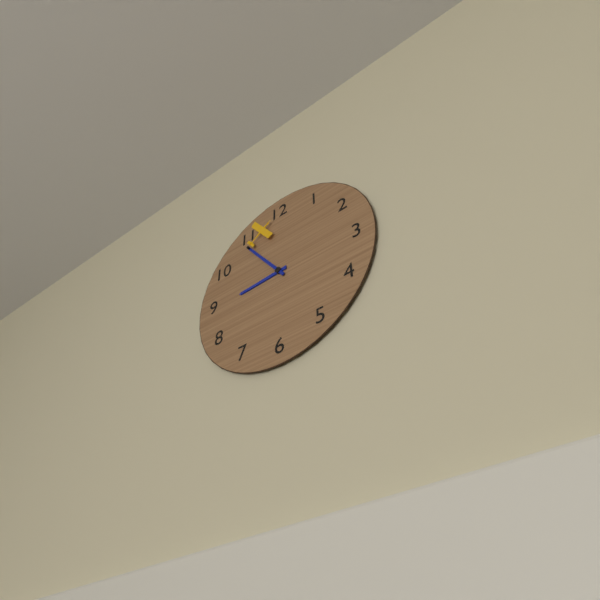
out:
{"hour": 8, "minute": 54}
